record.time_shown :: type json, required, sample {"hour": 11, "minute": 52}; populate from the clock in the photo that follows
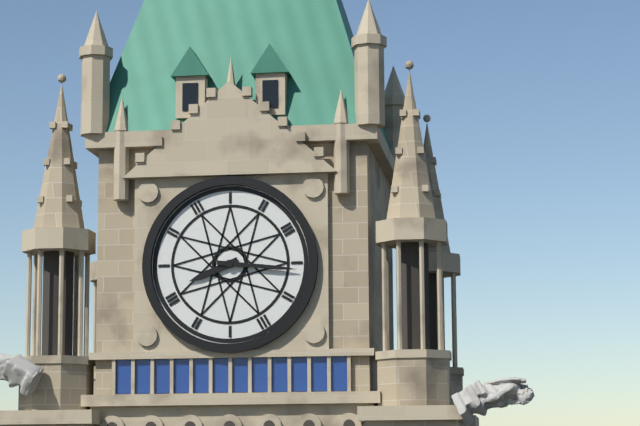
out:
{"hour": 8, "minute": 16}
